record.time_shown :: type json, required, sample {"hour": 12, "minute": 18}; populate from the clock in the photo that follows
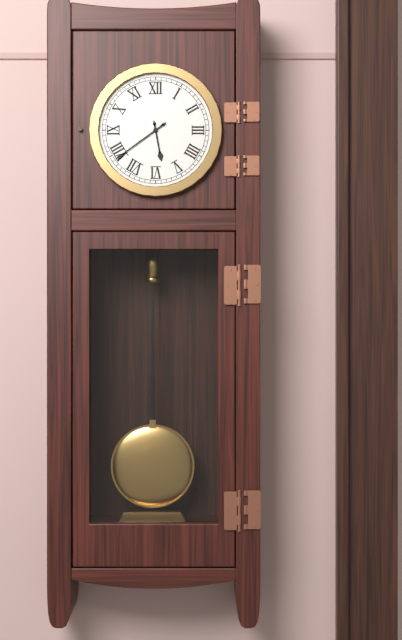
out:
{"hour": 5, "minute": 39}
